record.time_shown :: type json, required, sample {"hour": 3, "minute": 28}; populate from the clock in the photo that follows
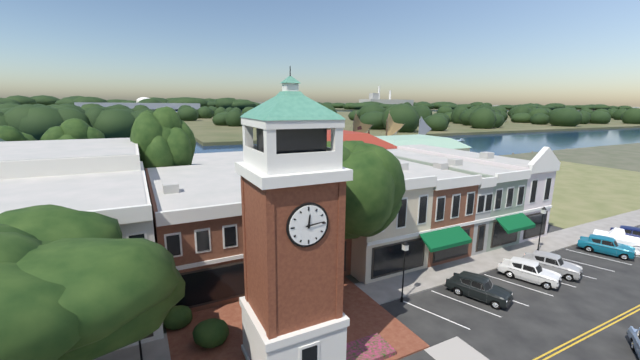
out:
{"hour": 12, "minute": 14}
